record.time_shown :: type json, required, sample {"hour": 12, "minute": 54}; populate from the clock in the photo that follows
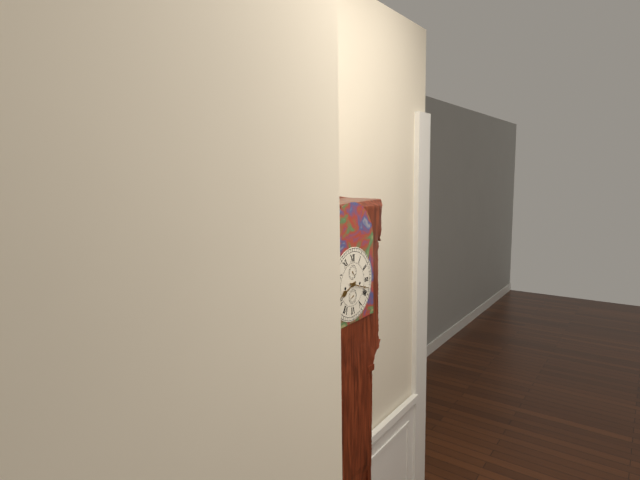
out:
{"hour": 8, "minute": 18}
